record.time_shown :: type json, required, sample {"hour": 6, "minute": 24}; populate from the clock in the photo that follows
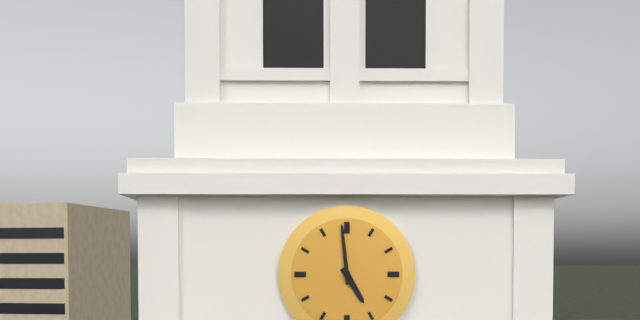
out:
{"hour": 4, "minute": 59}
